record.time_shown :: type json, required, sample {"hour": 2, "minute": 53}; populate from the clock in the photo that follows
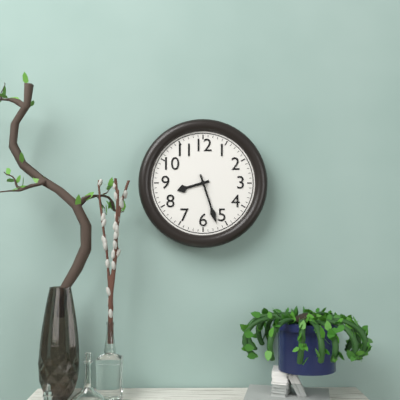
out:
{"hour": 8, "minute": 27}
